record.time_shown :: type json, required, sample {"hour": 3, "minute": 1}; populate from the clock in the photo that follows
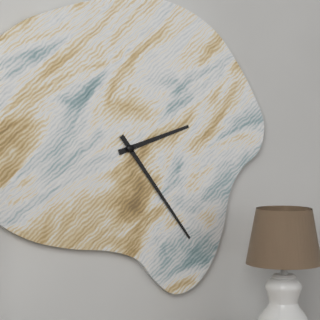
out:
{"hour": 2, "minute": 24}
